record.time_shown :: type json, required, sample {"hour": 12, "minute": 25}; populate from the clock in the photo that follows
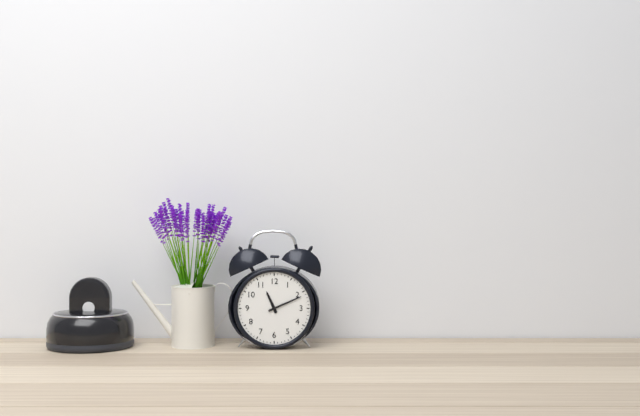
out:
{"hour": 11, "minute": 11}
